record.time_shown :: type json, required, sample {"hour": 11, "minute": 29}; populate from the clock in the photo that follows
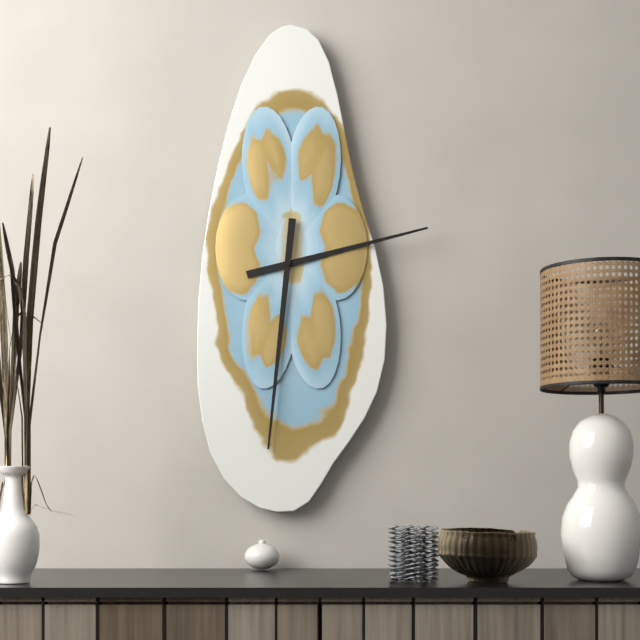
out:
{"hour": 2, "minute": 31}
